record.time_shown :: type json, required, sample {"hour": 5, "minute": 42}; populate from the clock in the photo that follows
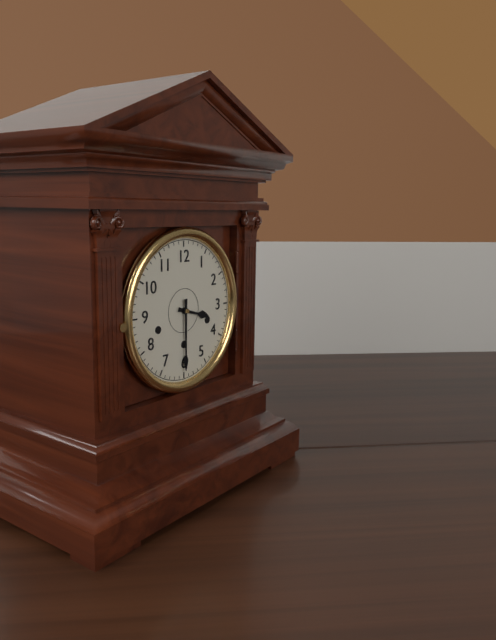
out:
{"hour": 3, "minute": 30}
